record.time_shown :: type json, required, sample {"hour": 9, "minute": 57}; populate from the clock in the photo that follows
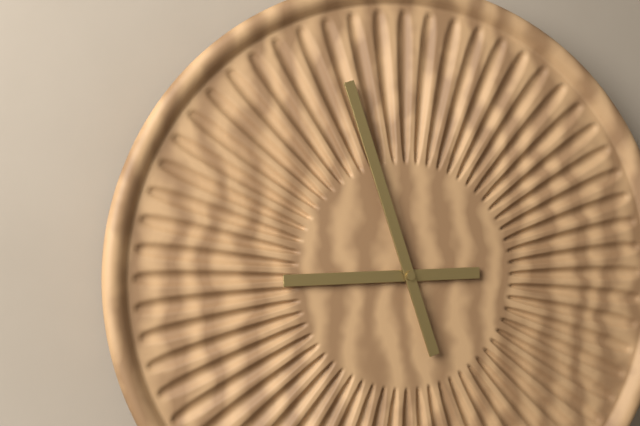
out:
{"hour": 8, "minute": 57}
